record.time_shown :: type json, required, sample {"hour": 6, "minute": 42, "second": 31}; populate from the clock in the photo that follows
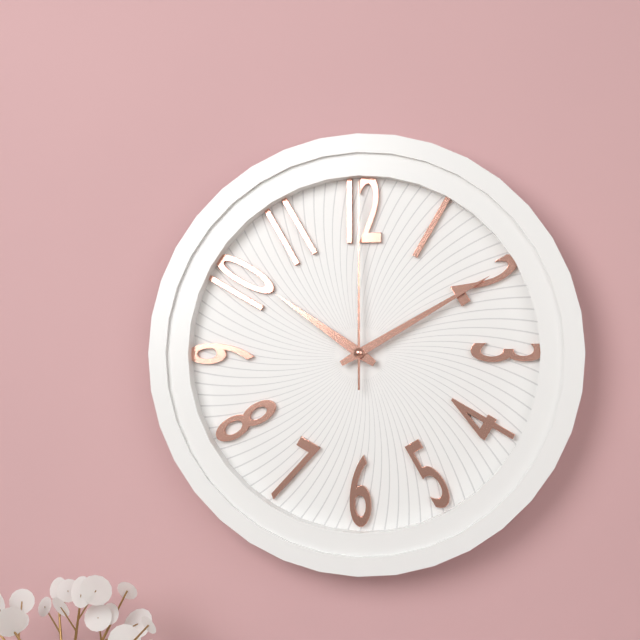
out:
{"hour": 10, "minute": 10, "second": 0}
